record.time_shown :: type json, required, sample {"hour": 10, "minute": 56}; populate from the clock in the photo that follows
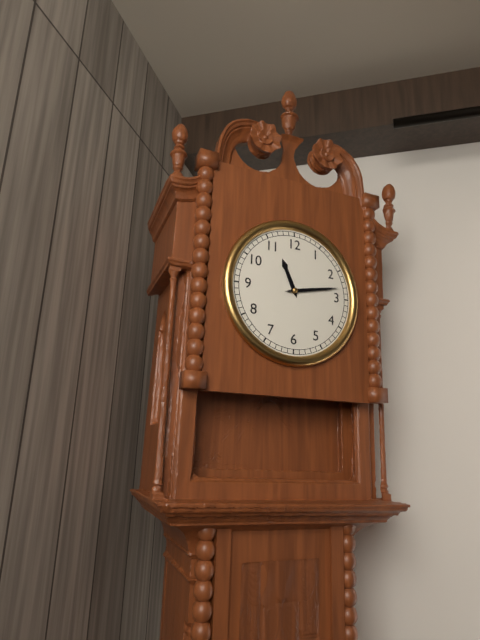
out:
{"hour": 11, "minute": 13}
